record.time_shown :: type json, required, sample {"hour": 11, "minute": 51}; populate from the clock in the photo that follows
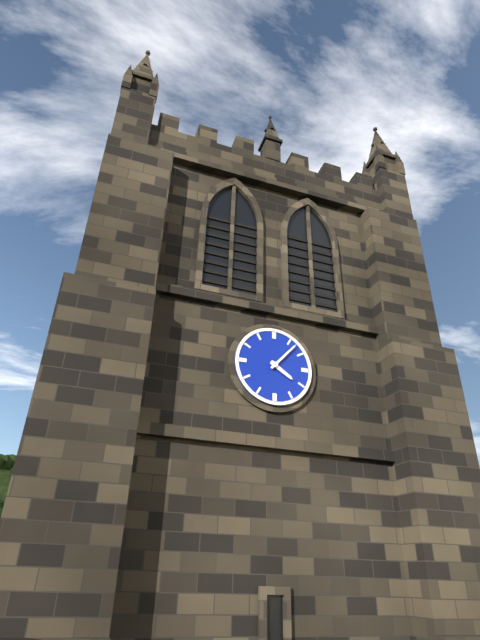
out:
{"hour": 4, "minute": 7}
